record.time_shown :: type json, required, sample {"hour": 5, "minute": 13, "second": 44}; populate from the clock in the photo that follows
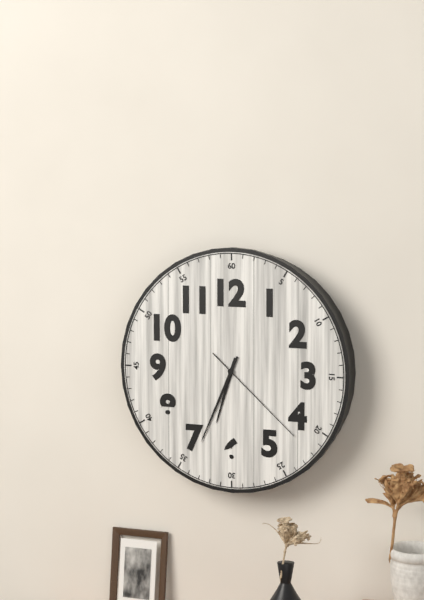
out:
{"hour": 6, "minute": 34, "second": 22}
